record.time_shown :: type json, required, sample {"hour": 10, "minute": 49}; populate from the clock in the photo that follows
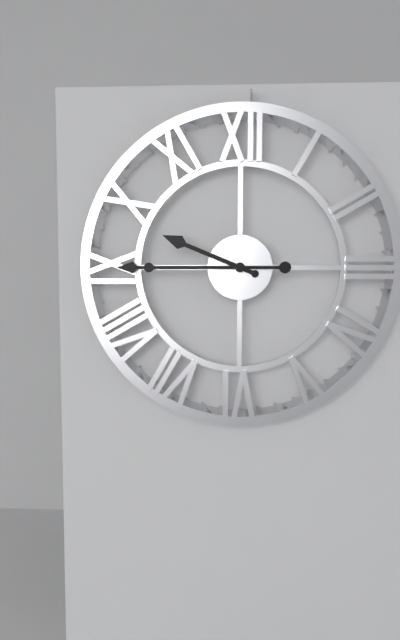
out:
{"hour": 9, "minute": 45}
